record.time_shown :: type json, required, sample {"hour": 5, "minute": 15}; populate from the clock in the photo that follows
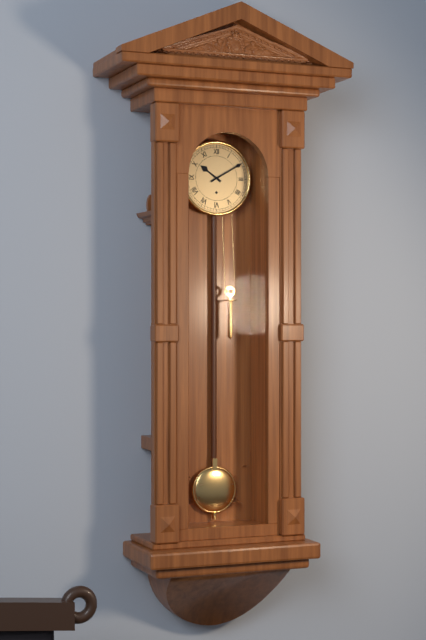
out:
{"hour": 10, "minute": 10}
